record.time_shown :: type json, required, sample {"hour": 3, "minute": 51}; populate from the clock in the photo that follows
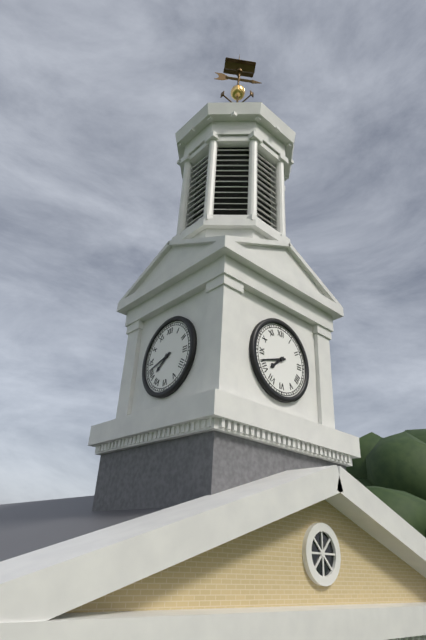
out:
{"hour": 7, "minute": 42}
